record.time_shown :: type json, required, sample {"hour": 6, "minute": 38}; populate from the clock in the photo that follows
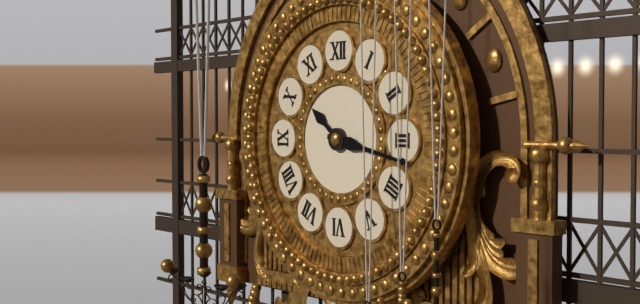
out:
{"hour": 10, "minute": 17}
